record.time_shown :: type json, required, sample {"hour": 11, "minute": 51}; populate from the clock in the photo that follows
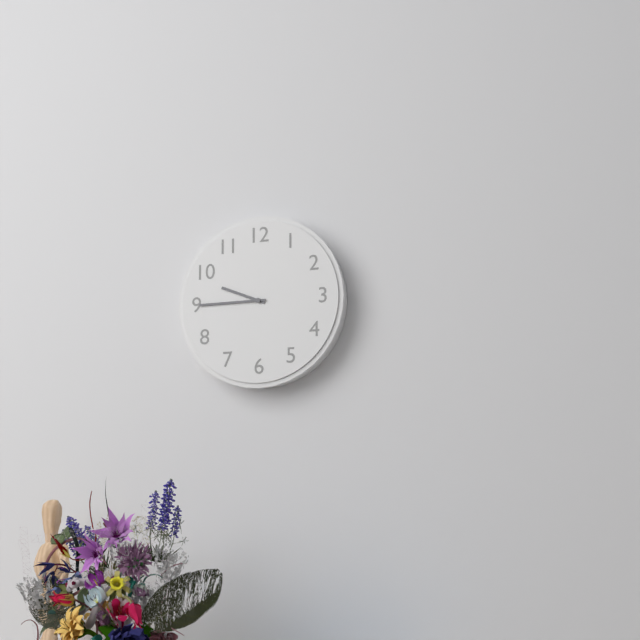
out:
{"hour": 9, "minute": 45}
